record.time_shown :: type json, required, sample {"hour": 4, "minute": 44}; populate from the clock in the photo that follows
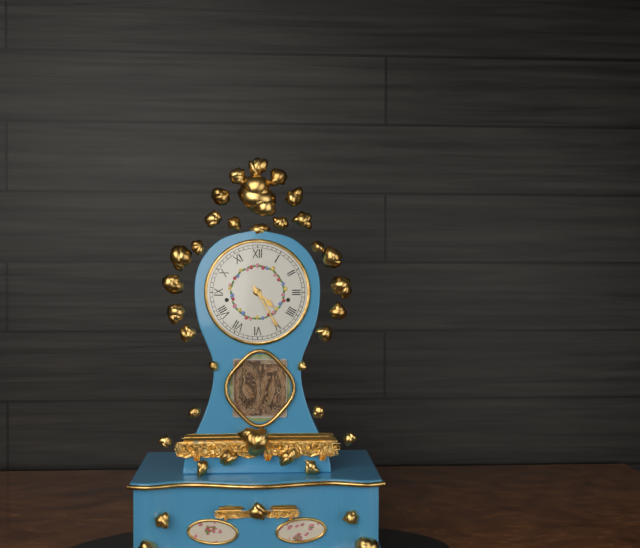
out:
{"hour": 4, "minute": 25}
